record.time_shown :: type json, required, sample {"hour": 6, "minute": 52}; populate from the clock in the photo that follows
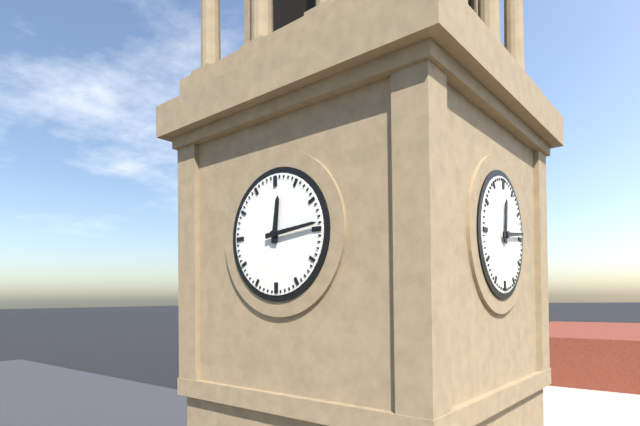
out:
{"hour": 12, "minute": 14}
